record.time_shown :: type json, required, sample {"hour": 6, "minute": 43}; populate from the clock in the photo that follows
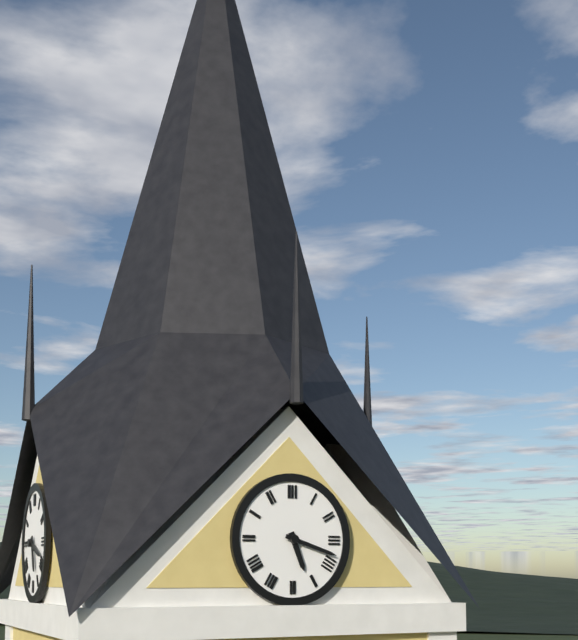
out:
{"hour": 5, "minute": 18}
